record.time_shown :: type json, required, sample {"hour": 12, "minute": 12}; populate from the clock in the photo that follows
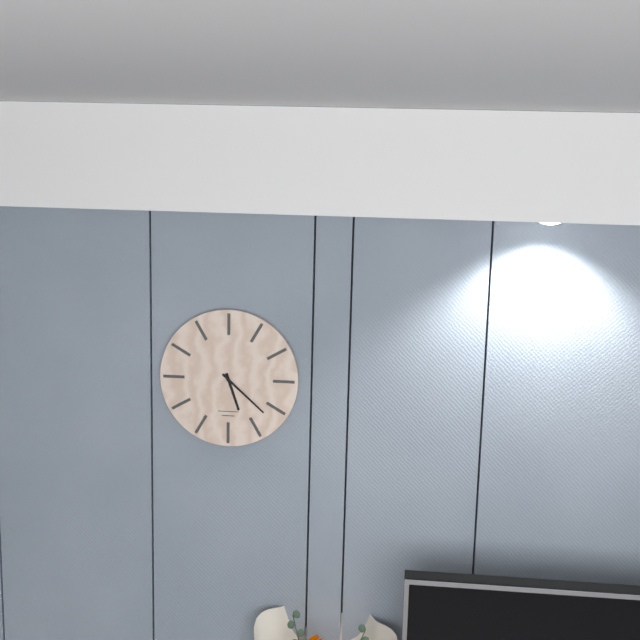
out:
{"hour": 5, "minute": 22}
